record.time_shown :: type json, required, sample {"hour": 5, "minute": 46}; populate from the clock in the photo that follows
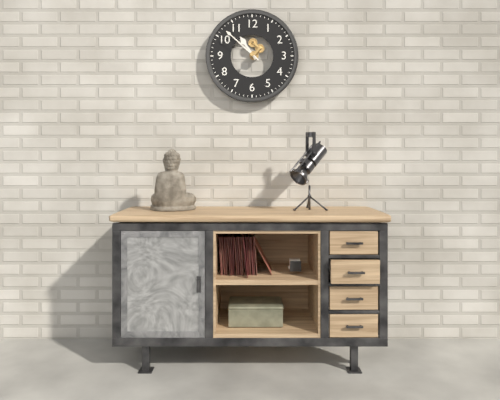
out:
{"hour": 10, "minute": 52}
